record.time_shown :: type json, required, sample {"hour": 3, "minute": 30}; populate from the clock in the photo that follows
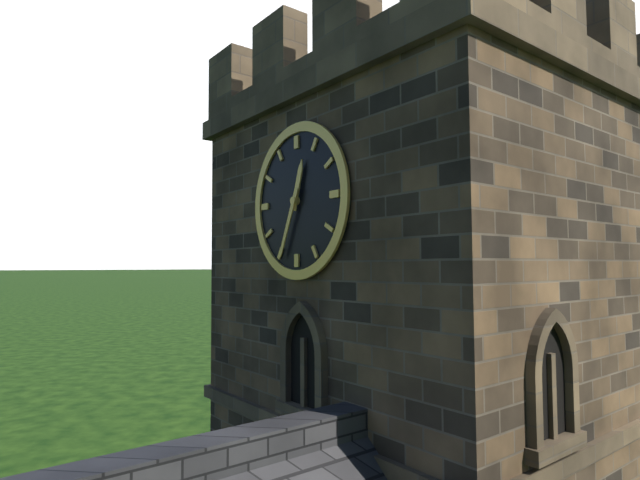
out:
{"hour": 12, "minute": 34}
